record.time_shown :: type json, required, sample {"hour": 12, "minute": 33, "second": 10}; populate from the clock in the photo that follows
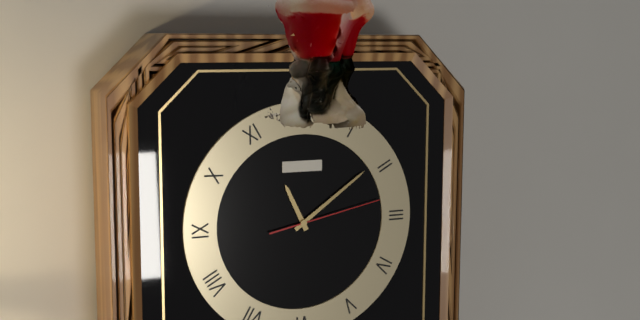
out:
{"hour": 11, "minute": 9, "second": 13}
